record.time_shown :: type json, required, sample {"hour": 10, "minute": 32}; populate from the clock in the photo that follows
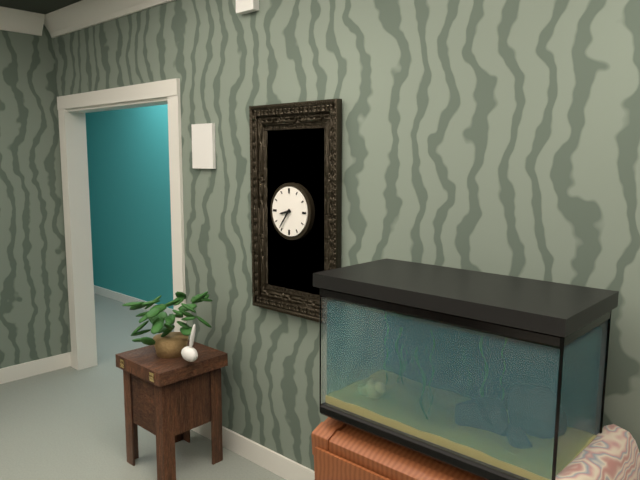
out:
{"hour": 8, "minute": 36}
